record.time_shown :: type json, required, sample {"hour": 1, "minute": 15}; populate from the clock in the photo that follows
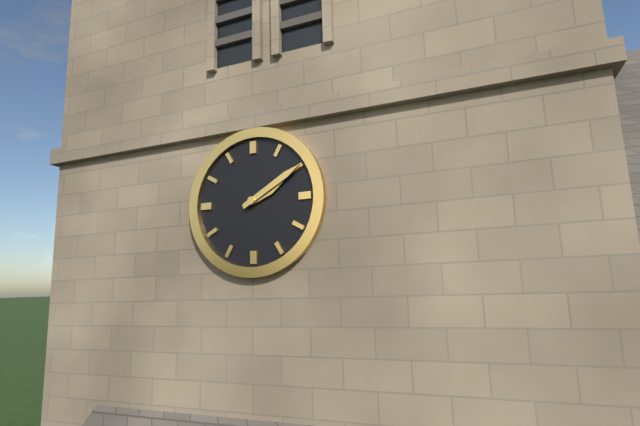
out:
{"hour": 2, "minute": 10}
